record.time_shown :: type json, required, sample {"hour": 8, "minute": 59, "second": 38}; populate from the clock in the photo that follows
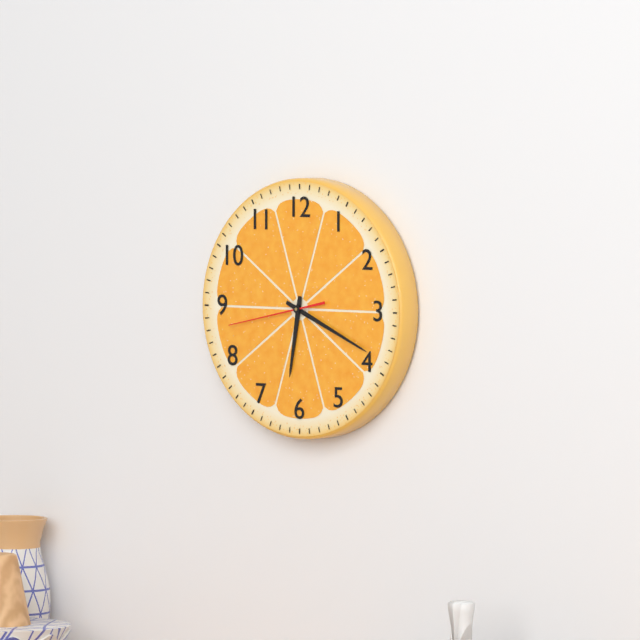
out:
{"hour": 6, "minute": 19, "second": 43}
